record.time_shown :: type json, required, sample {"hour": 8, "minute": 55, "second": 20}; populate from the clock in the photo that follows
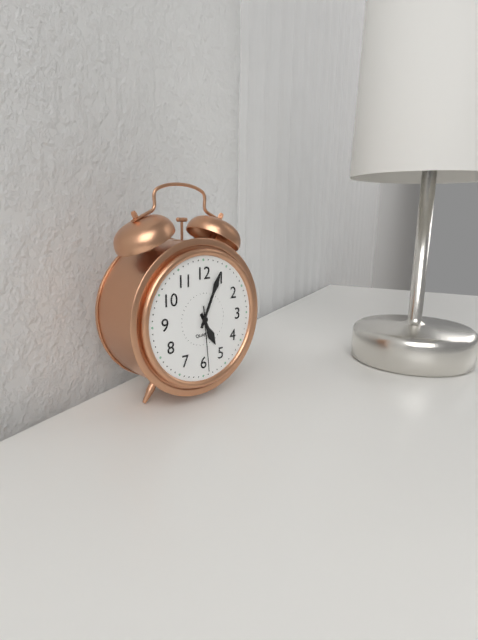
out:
{"hour": 5, "minute": 4, "second": 29}
